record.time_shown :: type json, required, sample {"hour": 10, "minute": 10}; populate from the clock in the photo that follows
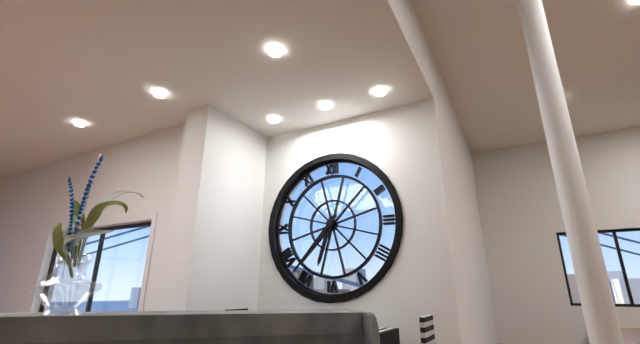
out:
{"hour": 6, "minute": 37}
